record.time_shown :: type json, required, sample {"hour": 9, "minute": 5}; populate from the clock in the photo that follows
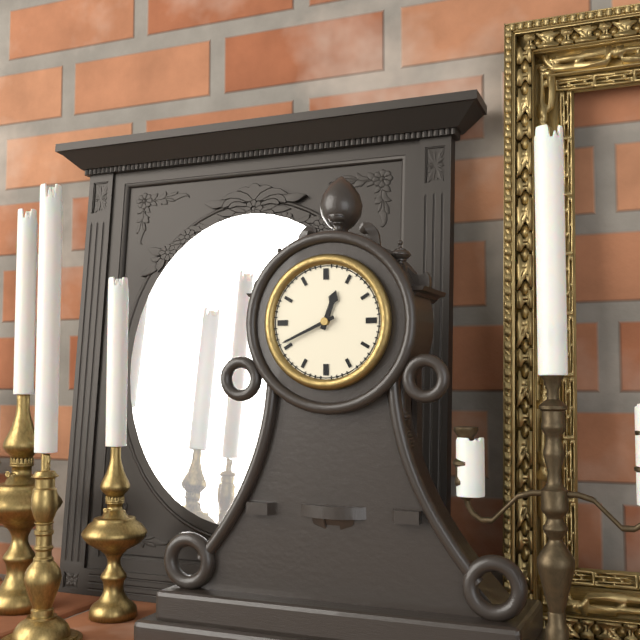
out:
{"hour": 12, "minute": 41}
